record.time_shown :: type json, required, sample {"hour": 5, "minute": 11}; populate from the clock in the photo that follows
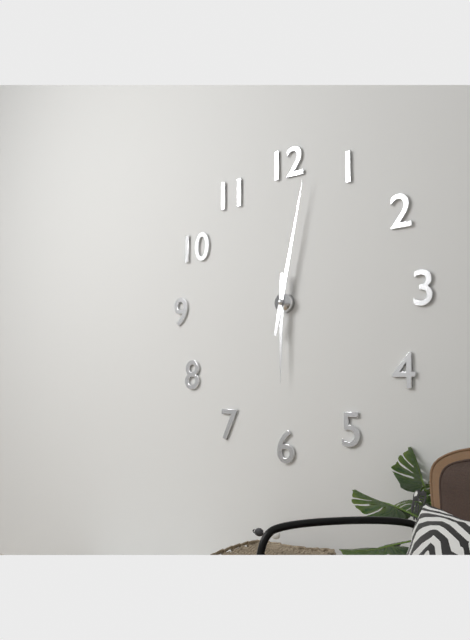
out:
{"hour": 6, "minute": 2}
